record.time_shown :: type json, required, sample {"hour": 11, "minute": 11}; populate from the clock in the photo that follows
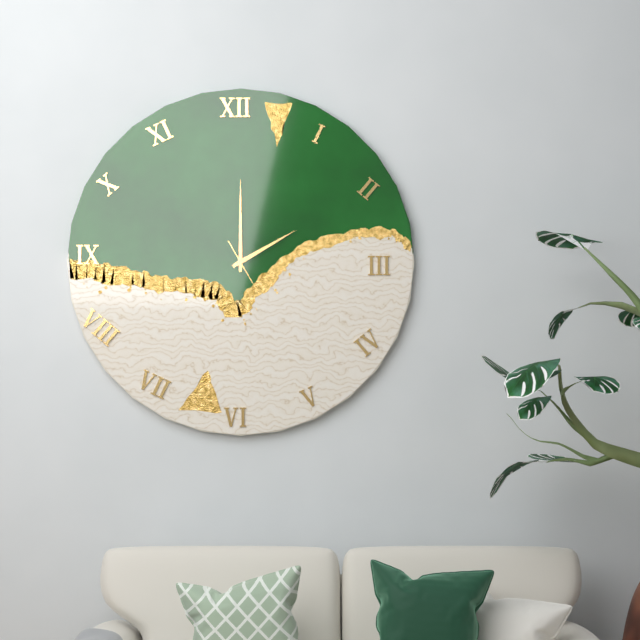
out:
{"hour": 2, "minute": 0}
